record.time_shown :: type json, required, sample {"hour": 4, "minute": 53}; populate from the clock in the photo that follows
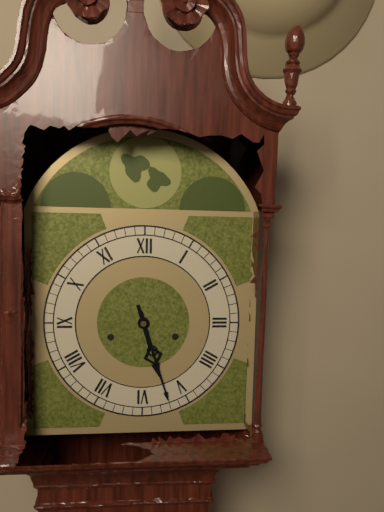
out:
{"hour": 5, "minute": 27}
